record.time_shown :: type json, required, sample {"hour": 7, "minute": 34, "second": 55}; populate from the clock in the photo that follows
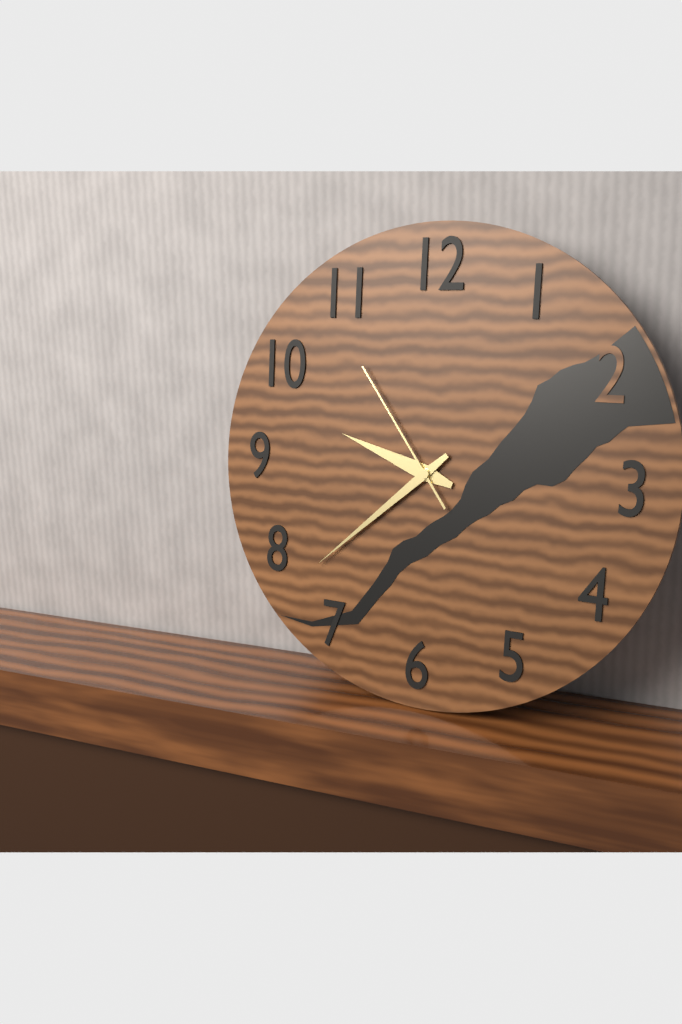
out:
{"hour": 9, "minute": 38, "second": 54}
